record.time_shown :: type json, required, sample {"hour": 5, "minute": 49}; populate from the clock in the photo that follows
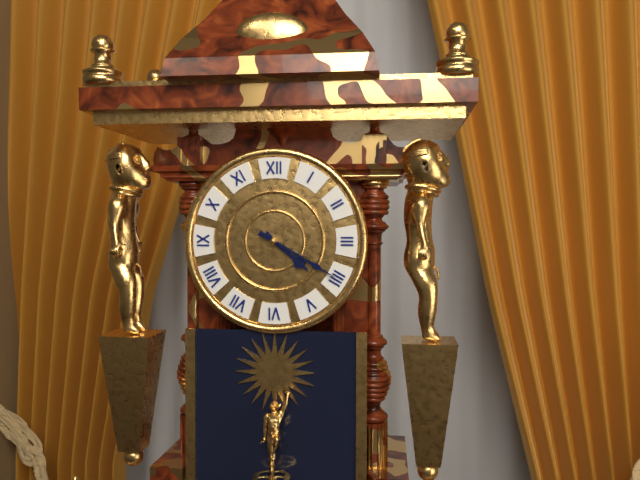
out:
{"hour": 4, "minute": 20}
